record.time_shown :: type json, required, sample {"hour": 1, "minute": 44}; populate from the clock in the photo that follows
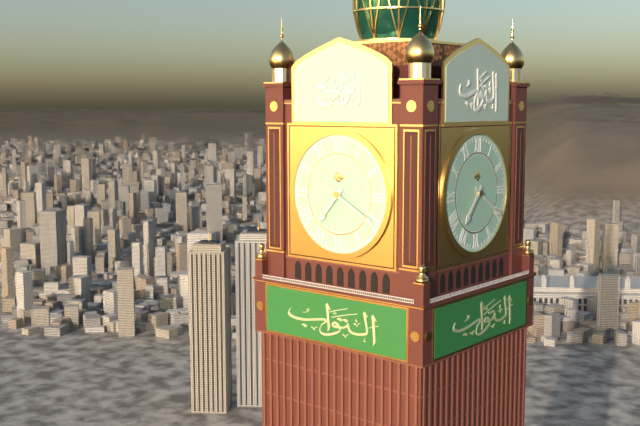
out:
{"hour": 7, "minute": 20}
